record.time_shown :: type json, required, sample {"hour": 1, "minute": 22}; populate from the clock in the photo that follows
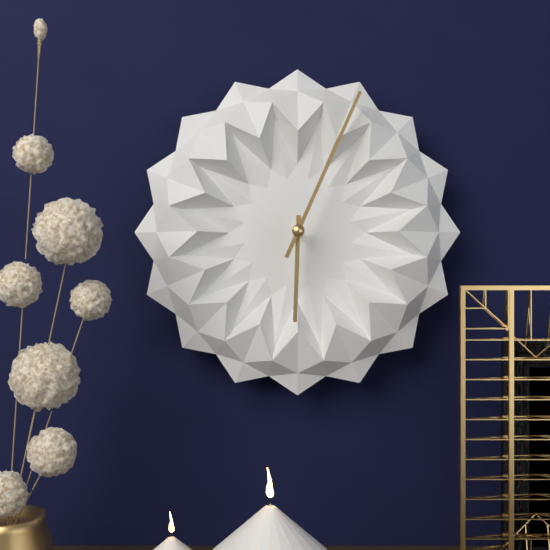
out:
{"hour": 6, "minute": 4}
